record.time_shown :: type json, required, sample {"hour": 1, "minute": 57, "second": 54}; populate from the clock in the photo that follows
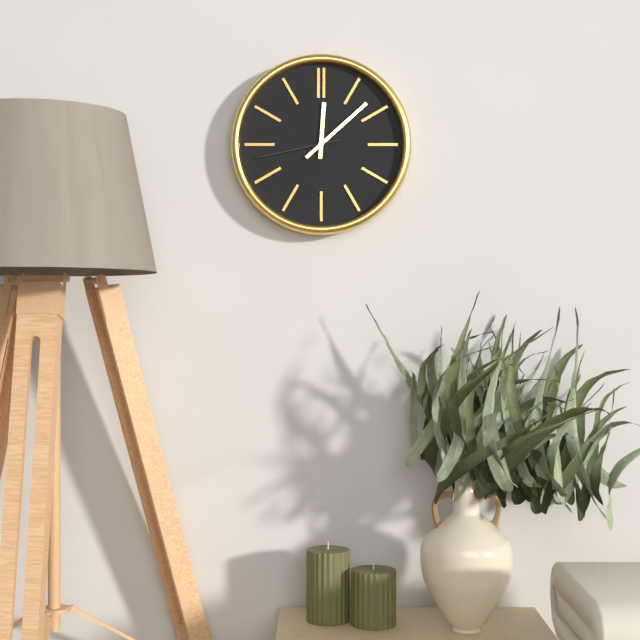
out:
{"hour": 12, "minute": 8, "second": 43}
